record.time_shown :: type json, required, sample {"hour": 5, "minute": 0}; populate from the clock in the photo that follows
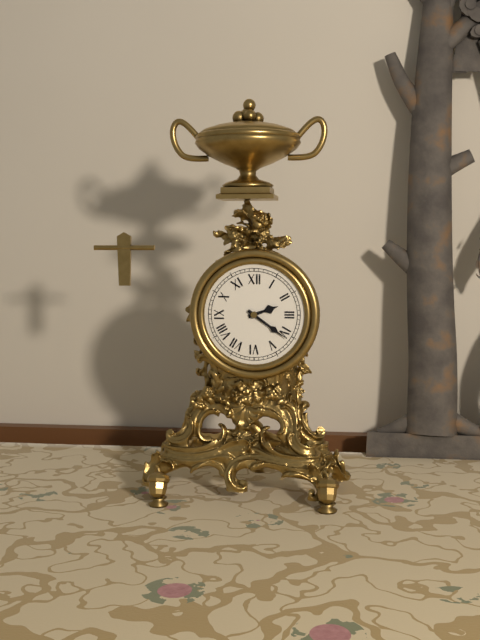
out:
{"hour": 2, "minute": 21}
